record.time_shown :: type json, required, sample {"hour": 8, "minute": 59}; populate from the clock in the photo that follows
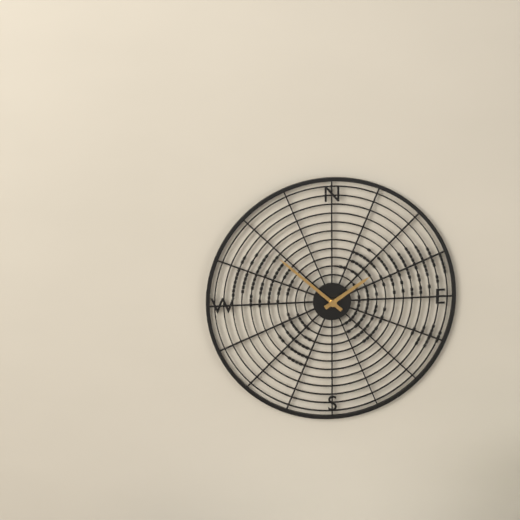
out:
{"hour": 1, "minute": 52}
